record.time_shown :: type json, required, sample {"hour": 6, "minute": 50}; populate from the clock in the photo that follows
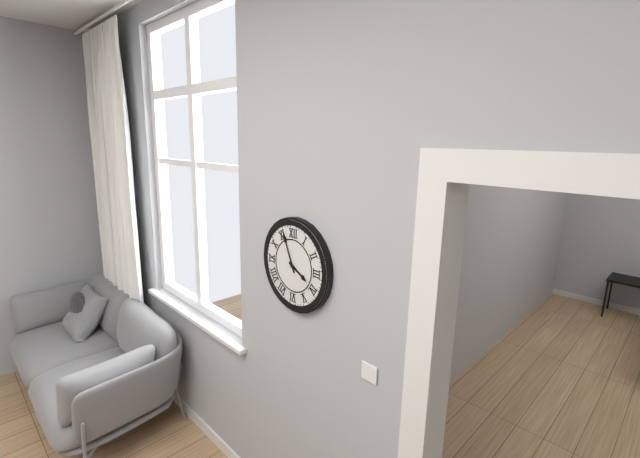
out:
{"hour": 3, "minute": 56}
